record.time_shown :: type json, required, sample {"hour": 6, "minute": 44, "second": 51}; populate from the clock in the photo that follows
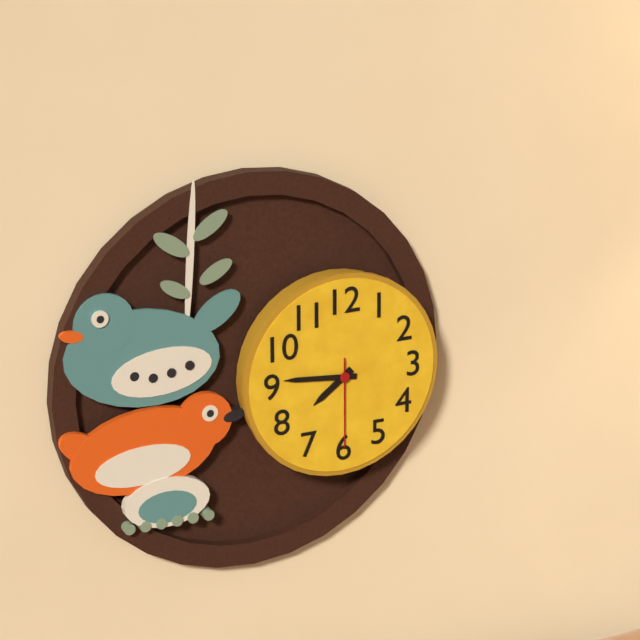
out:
{"hour": 7, "minute": 46, "second": 30}
